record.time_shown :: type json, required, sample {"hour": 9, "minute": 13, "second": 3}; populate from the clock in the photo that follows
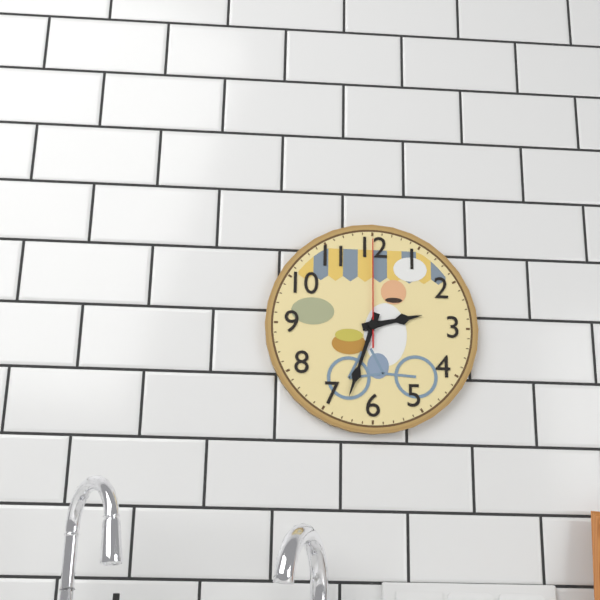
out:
{"hour": 2, "minute": 33, "second": 0}
